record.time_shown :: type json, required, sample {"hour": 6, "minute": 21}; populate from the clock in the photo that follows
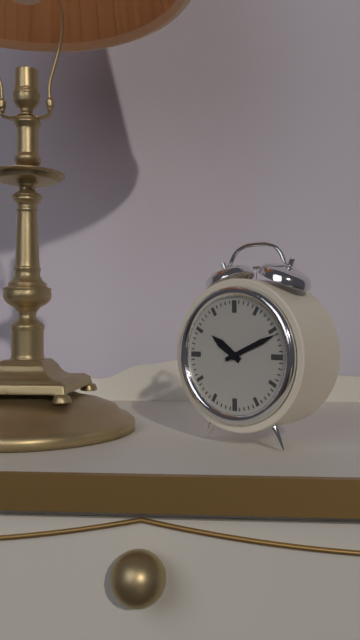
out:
{"hour": 10, "minute": 11}
